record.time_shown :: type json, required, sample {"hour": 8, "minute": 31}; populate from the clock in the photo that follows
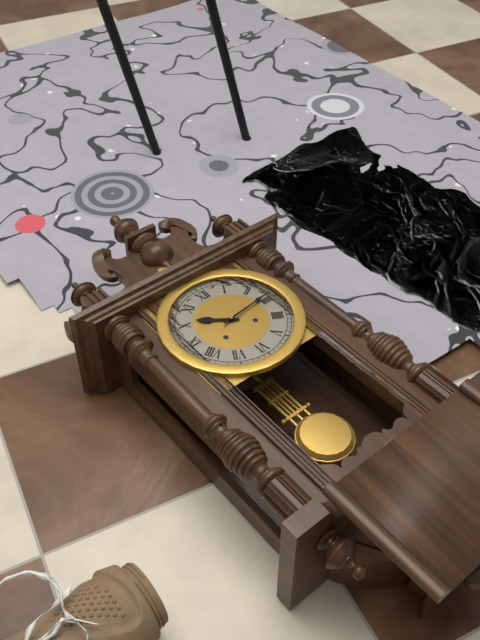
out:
{"hour": 10, "minute": 14}
